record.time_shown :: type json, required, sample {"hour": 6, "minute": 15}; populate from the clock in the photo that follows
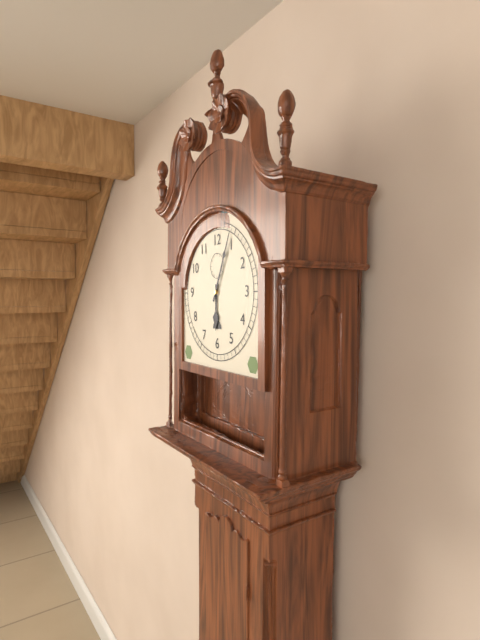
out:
{"hour": 6, "minute": 4}
